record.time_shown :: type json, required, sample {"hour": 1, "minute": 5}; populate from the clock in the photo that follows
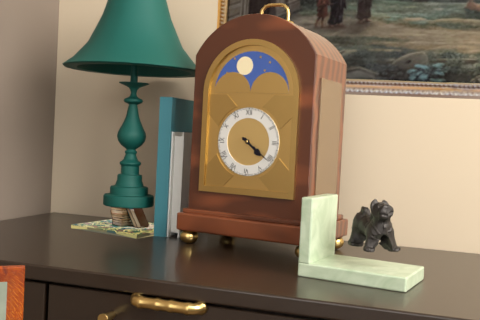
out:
{"hour": 4, "minute": 21}
